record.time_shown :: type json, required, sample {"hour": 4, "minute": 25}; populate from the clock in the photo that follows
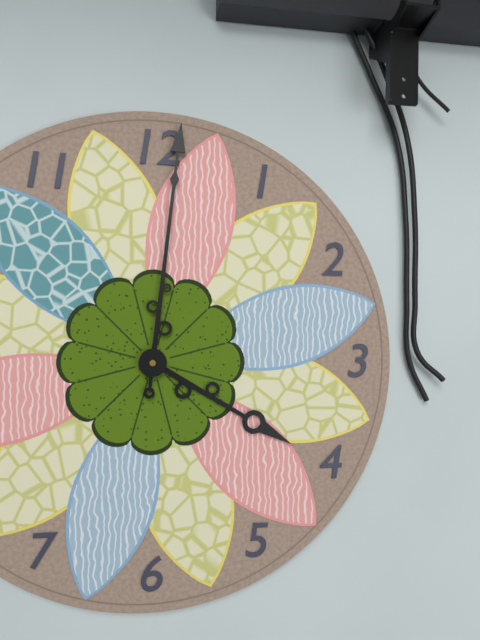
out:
{"hour": 4, "minute": 1}
